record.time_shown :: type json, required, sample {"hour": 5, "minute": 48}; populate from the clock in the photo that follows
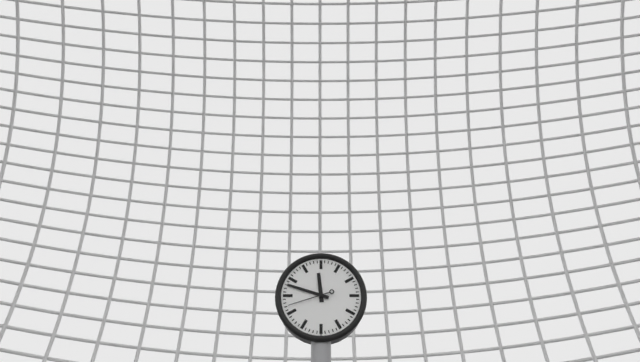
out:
{"hour": 11, "minute": 48}
